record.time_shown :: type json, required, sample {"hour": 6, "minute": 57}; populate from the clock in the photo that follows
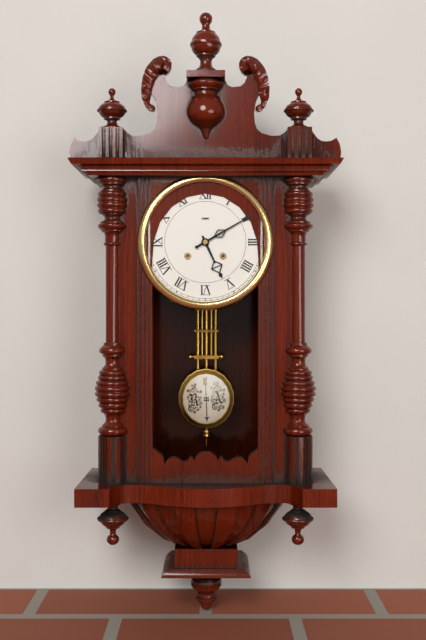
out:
{"hour": 5, "minute": 10}
